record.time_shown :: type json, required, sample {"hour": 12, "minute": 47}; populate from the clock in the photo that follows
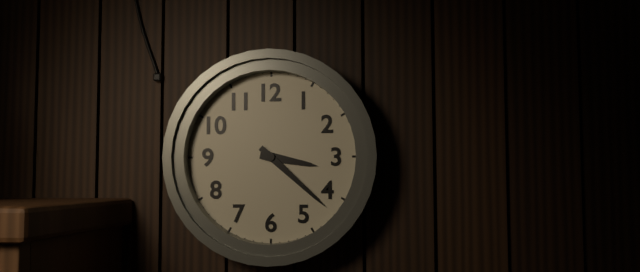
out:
{"hour": 3, "minute": 22}
